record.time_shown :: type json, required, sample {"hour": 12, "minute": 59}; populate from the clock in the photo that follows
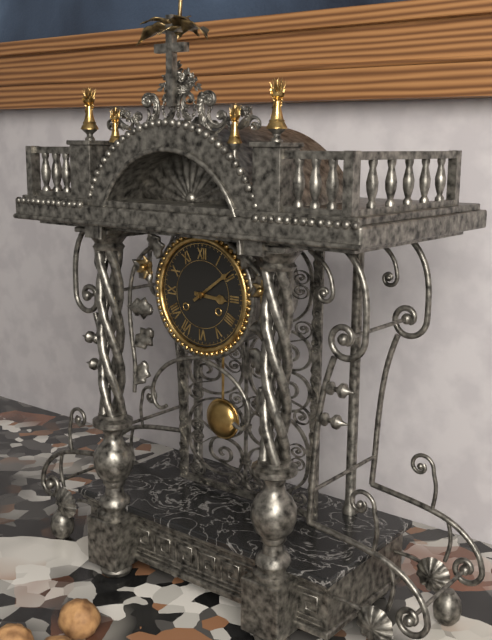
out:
{"hour": 3, "minute": 9}
